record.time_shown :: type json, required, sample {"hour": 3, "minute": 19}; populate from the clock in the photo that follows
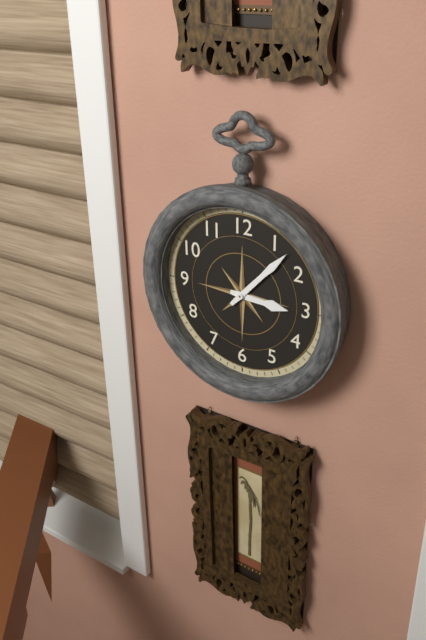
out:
{"hour": 3, "minute": 7}
